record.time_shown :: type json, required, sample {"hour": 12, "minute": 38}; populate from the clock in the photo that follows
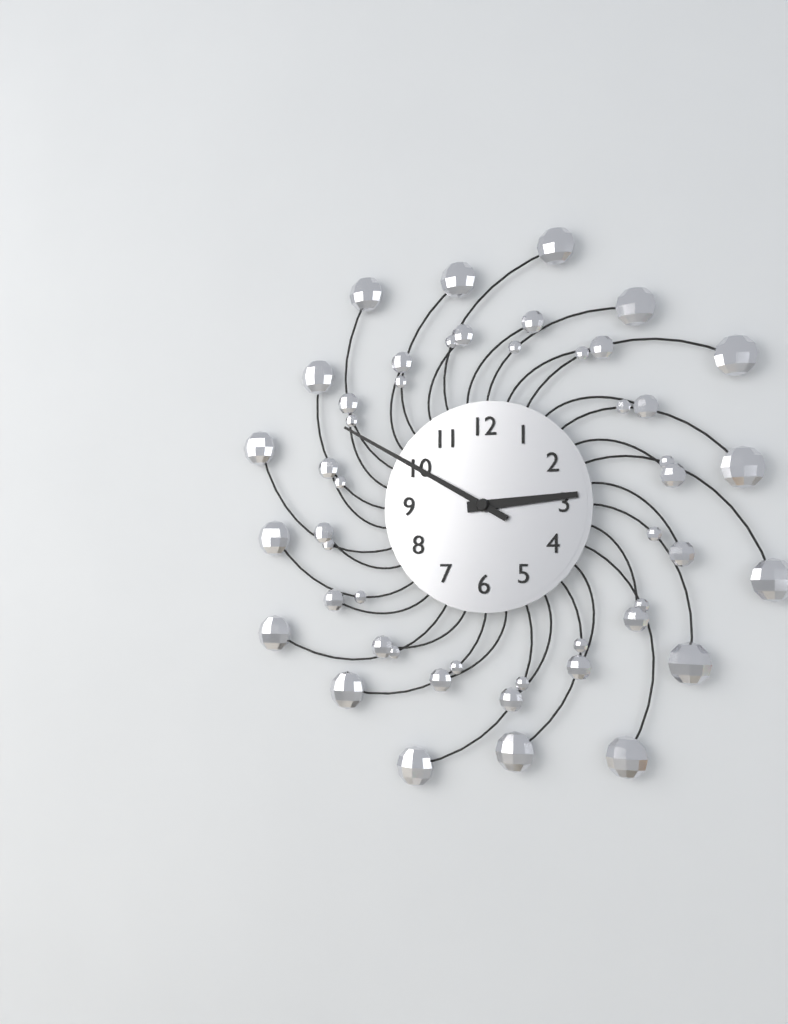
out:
{"hour": 2, "minute": 50}
